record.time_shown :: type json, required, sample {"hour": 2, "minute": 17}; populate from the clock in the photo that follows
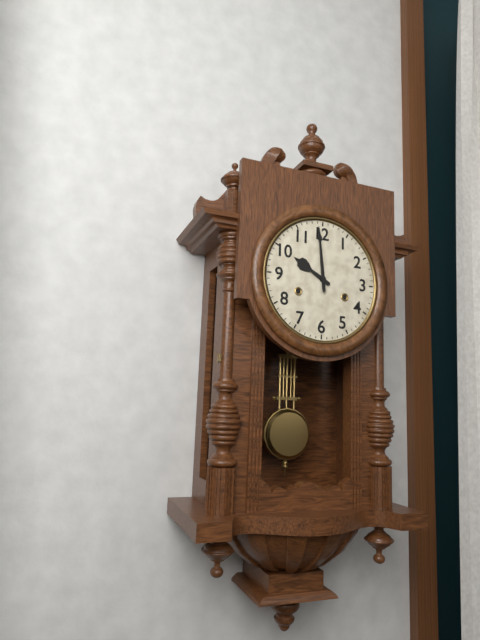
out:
{"hour": 9, "minute": 59}
